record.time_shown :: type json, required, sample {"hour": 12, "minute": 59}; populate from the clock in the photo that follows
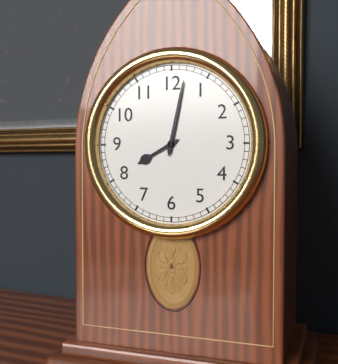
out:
{"hour": 8, "minute": 2}
